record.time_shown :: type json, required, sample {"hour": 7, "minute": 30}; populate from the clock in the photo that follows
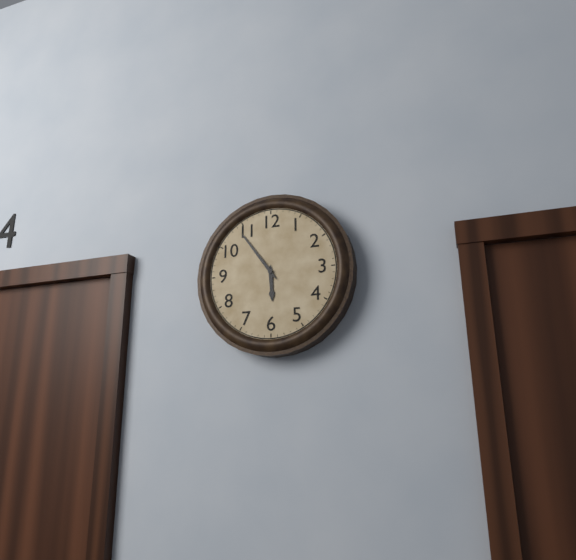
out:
{"hour": 5, "minute": 54}
